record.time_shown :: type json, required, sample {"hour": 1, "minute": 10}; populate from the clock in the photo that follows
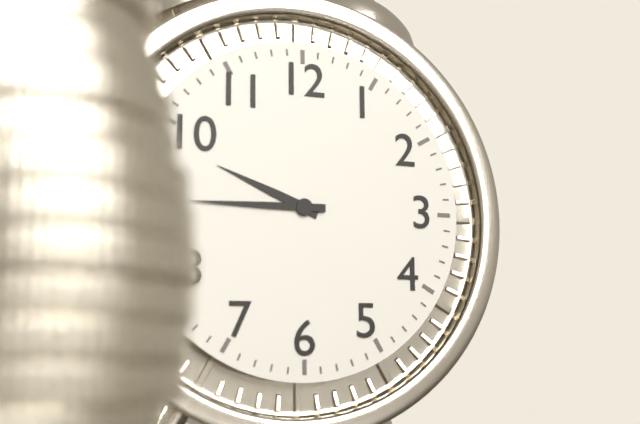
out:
{"hour": 9, "minute": 45}
